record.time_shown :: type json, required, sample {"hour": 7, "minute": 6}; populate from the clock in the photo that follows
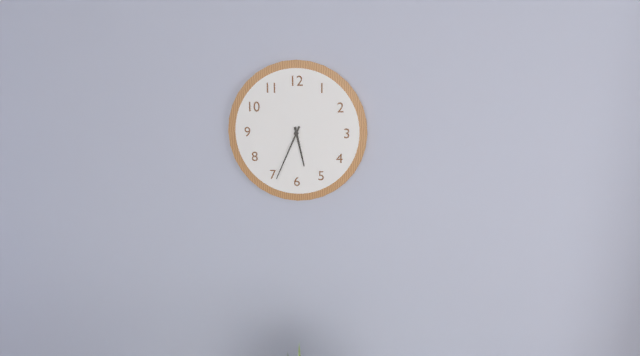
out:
{"hour": 5, "minute": 34}
